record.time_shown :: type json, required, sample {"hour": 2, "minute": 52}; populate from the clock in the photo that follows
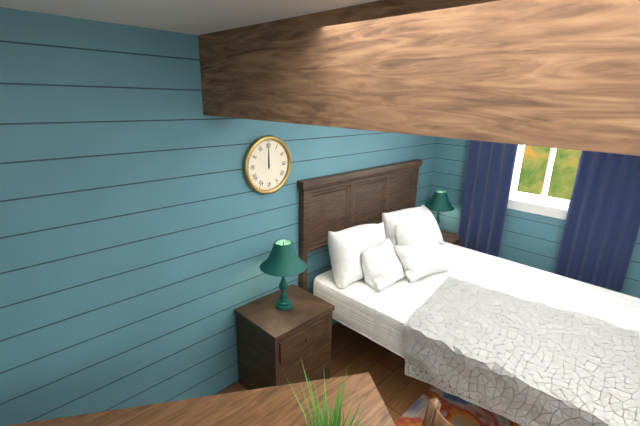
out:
{"hour": 12, "minute": 0}
